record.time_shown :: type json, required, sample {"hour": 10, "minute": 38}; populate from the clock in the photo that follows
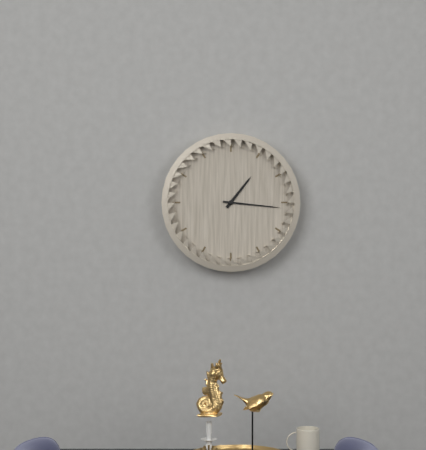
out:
{"hour": 1, "minute": 16}
